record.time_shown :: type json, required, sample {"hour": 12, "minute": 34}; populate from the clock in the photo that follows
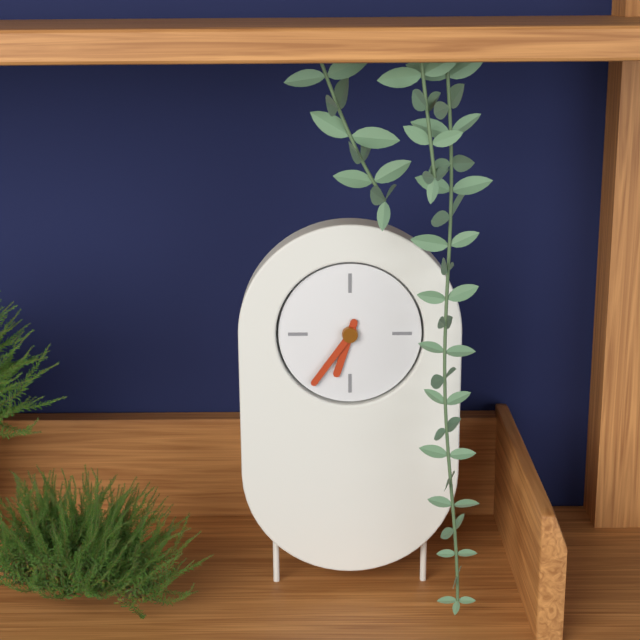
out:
{"hour": 6, "minute": 36}
